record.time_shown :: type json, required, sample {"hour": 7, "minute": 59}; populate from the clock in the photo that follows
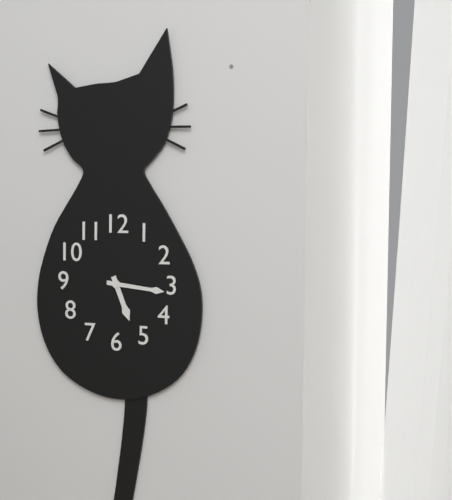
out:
{"hour": 5, "minute": 16}
